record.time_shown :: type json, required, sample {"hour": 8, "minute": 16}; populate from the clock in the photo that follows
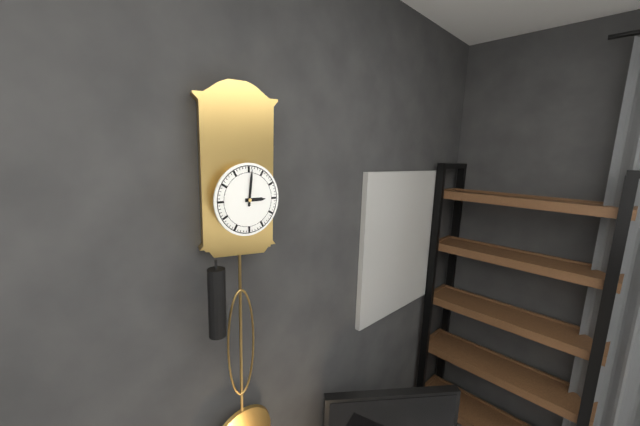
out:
{"hour": 3, "minute": 1}
